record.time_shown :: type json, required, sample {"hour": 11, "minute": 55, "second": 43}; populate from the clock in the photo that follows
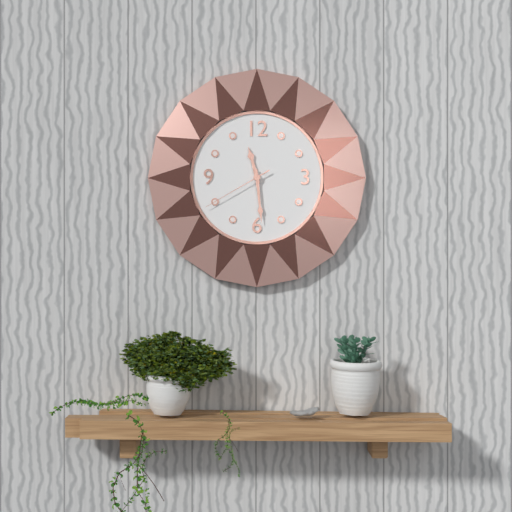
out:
{"hour": 11, "minute": 29, "second": 40}
